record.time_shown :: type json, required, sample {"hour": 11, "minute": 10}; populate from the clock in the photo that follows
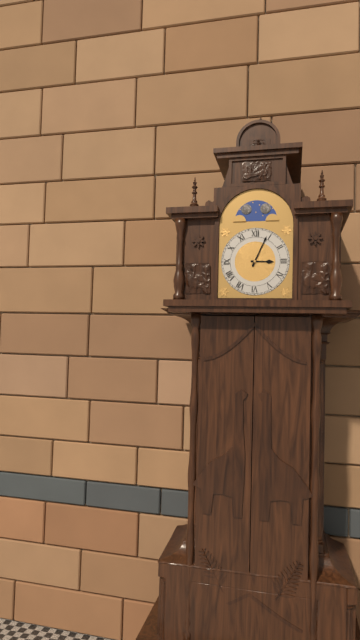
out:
{"hour": 3, "minute": 4}
